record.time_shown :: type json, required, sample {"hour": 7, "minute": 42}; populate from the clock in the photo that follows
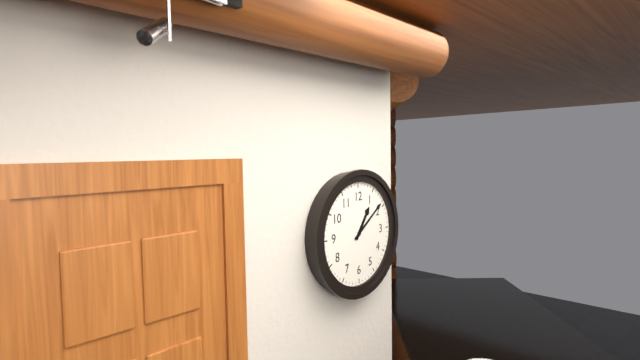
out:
{"hour": 1, "minute": 9}
